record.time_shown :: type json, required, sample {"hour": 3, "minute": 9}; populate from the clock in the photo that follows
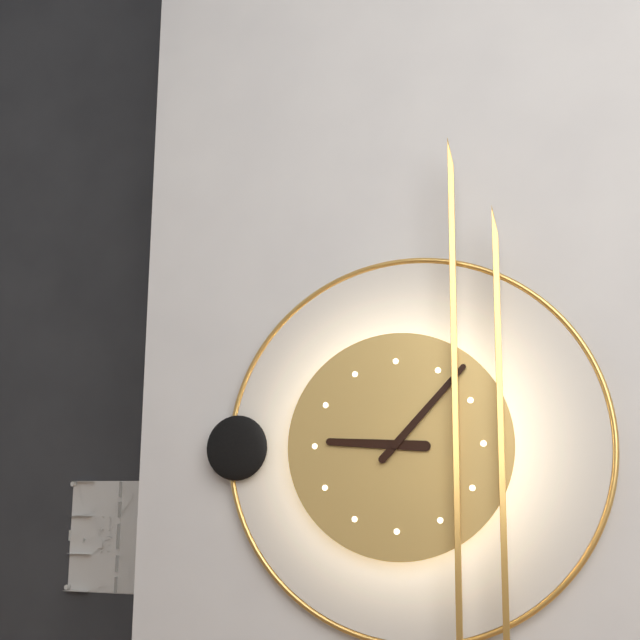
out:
{"hour": 9, "minute": 7}
